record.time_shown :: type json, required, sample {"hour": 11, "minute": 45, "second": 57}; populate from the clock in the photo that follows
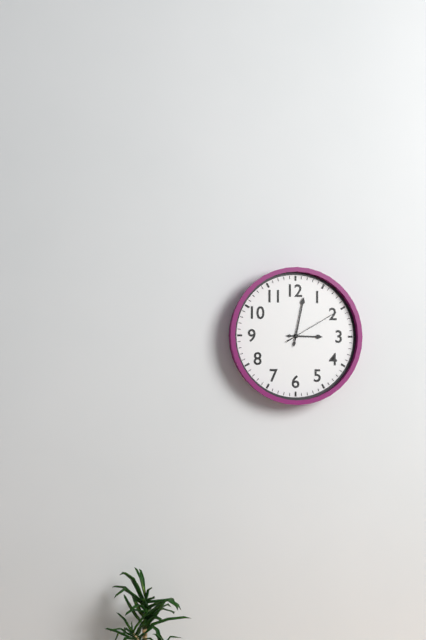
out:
{"hour": 3, "minute": 2, "second": 10}
